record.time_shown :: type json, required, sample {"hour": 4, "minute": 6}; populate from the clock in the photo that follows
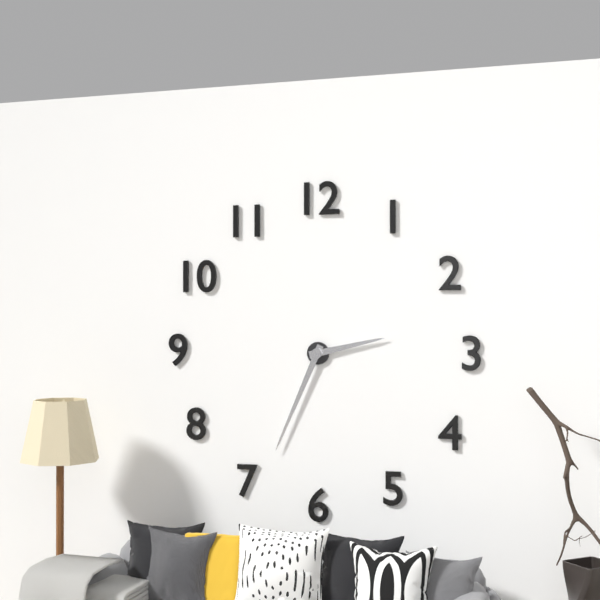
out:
{"hour": 2, "minute": 34}
